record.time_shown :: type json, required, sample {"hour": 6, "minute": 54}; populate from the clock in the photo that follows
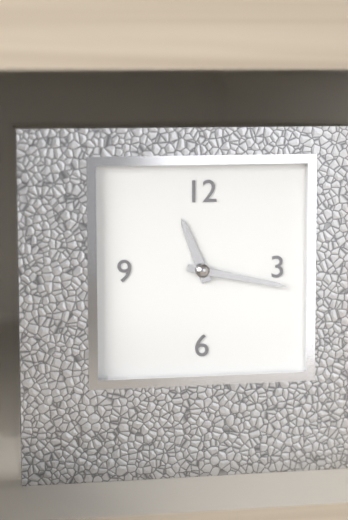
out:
{"hour": 11, "minute": 17}
